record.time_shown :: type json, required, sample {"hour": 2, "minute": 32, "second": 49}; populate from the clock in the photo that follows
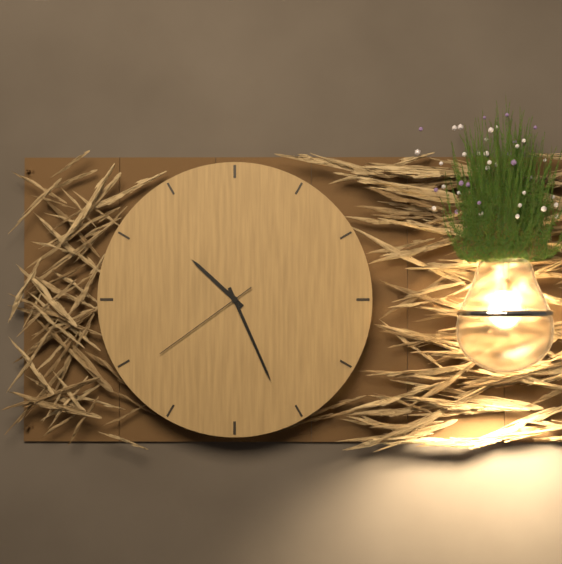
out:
{"hour": 10, "minute": 26, "second": 39}
